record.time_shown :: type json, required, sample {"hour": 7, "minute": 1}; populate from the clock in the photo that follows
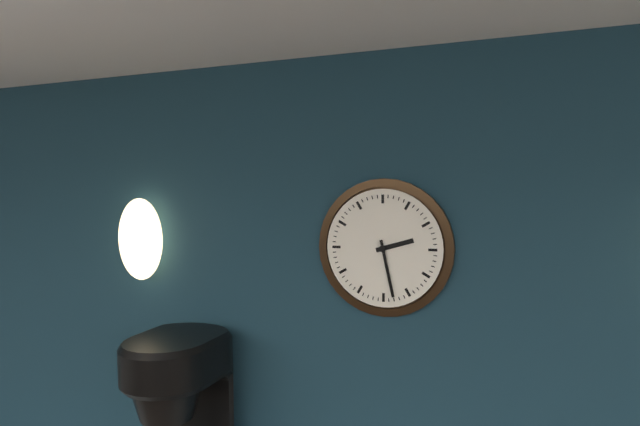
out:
{"hour": 2, "minute": 28}
